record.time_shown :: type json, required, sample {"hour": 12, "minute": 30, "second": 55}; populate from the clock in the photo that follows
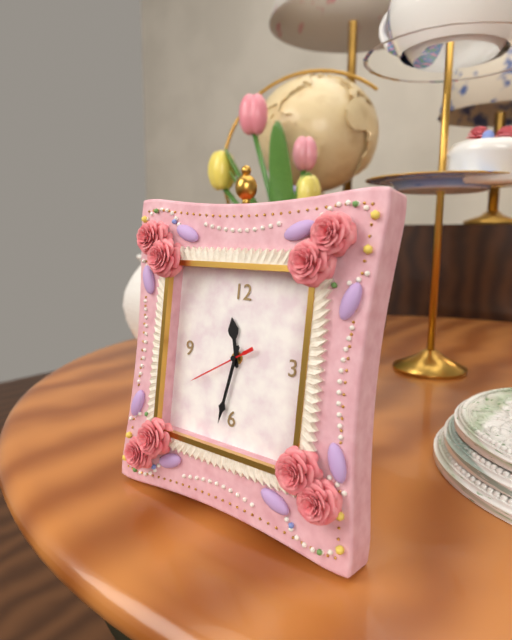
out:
{"hour": 11, "minute": 32, "second": 40}
